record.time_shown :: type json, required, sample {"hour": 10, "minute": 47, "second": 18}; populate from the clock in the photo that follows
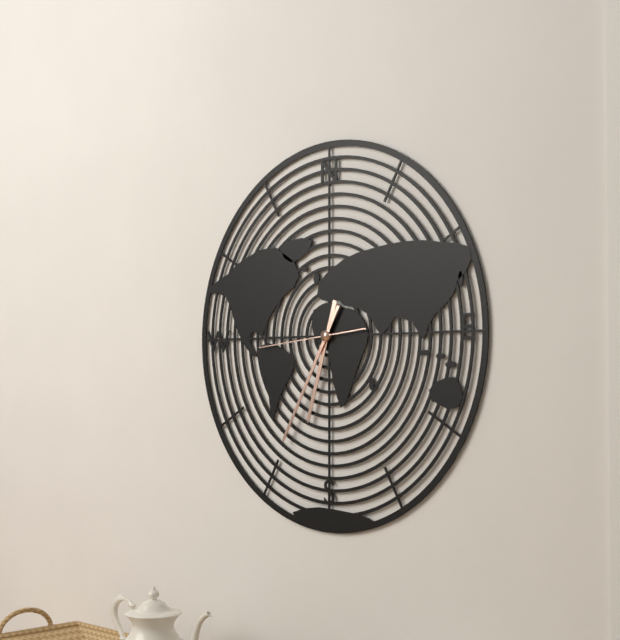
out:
{"hour": 6, "minute": 35, "second": 44}
